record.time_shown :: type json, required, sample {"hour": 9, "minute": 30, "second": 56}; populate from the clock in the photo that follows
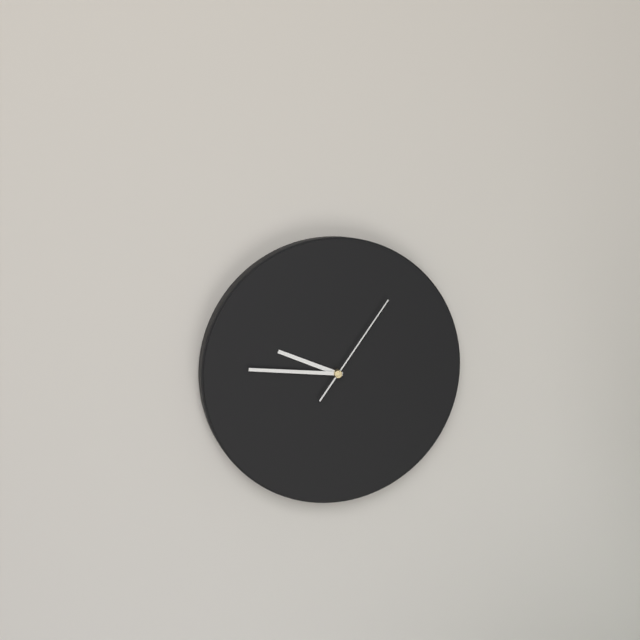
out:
{"hour": 9, "minute": 46, "second": 6}
